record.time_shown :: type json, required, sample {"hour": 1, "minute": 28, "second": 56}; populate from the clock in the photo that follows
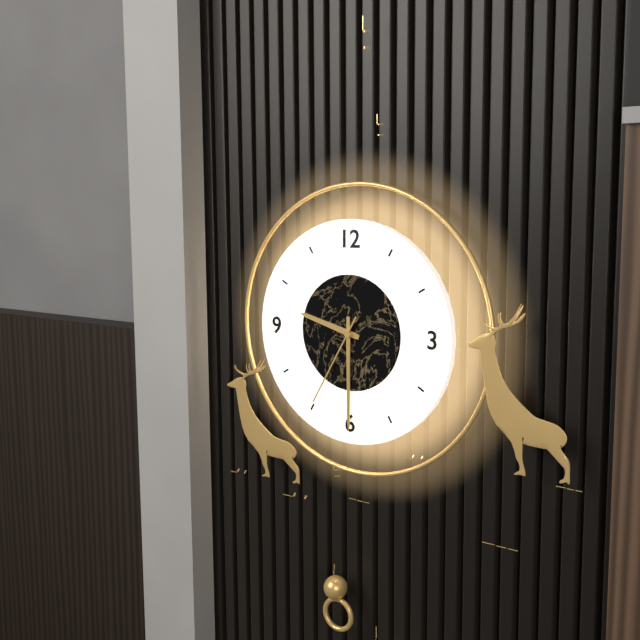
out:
{"hour": 9, "minute": 30, "second": 35}
